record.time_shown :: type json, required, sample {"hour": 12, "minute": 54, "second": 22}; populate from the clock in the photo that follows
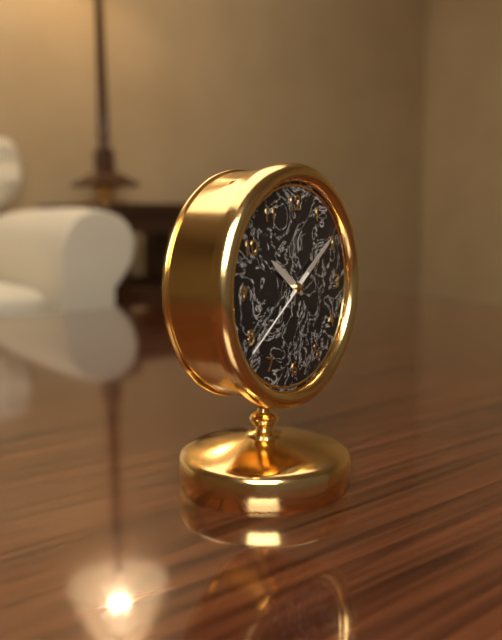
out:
{"hour": 10, "minute": 9, "second": 39}
